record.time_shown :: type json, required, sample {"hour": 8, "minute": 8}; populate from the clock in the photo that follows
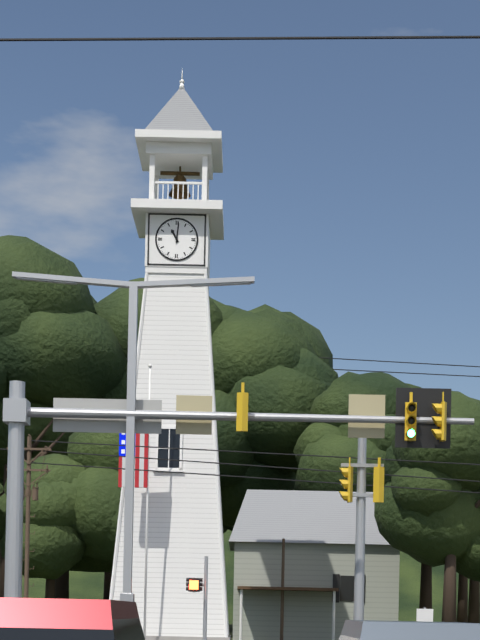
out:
{"hour": 11, "minute": 1}
